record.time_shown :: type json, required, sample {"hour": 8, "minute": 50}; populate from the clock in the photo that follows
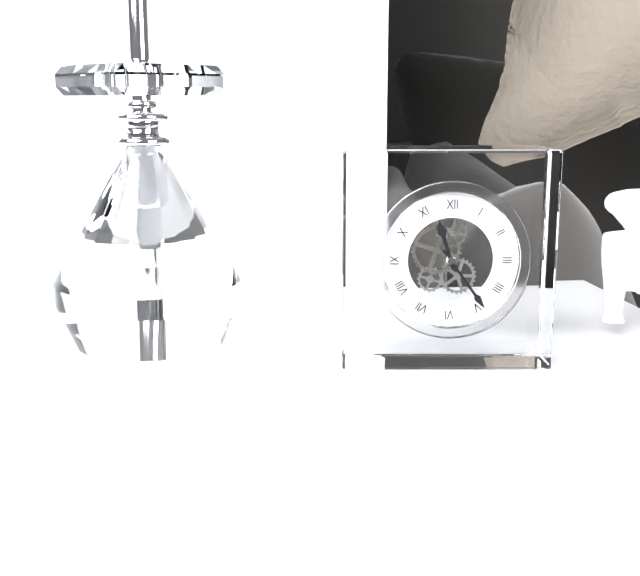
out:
{"hour": 11, "minute": 24}
